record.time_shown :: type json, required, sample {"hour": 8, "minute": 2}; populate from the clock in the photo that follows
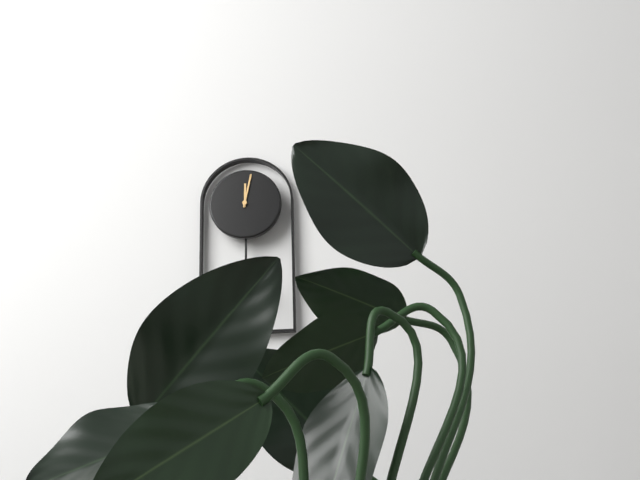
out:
{"hour": 12, "minute": 2}
